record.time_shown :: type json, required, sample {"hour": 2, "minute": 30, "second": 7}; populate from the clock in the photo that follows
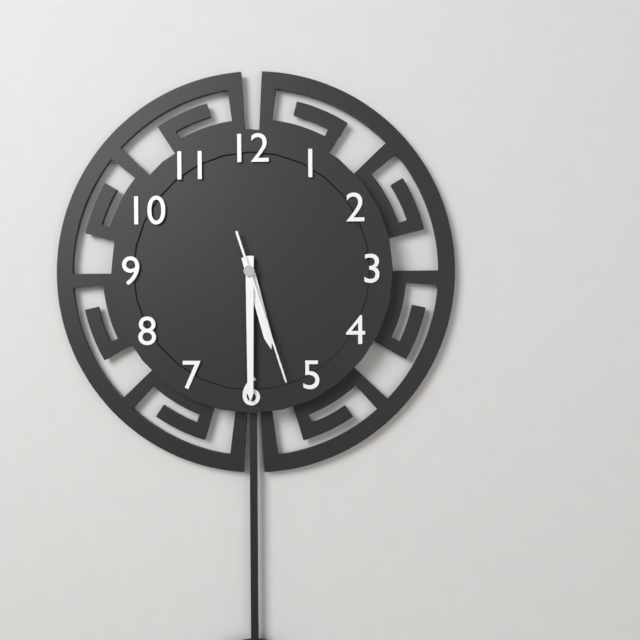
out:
{"hour": 5, "minute": 30, "second": 27}
